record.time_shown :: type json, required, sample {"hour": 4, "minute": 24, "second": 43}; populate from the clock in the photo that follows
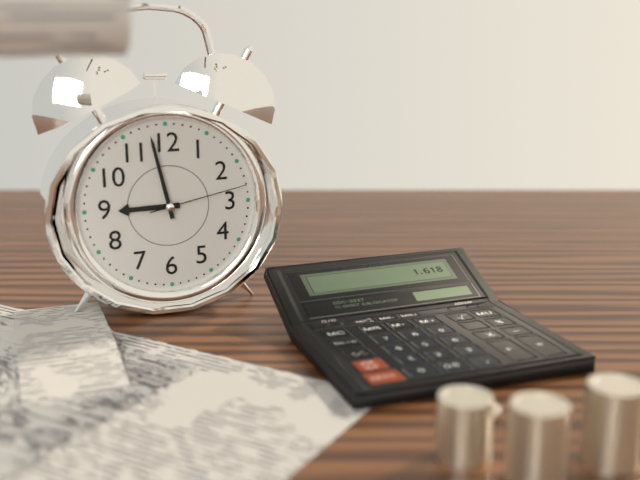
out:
{"hour": 8, "minute": 58, "second": 13}
